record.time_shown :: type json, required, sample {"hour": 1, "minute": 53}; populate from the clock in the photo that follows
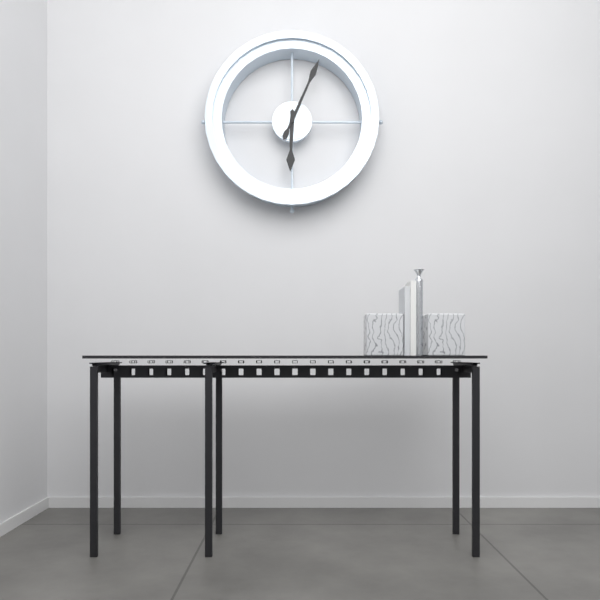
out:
{"hour": 6, "minute": 4}
